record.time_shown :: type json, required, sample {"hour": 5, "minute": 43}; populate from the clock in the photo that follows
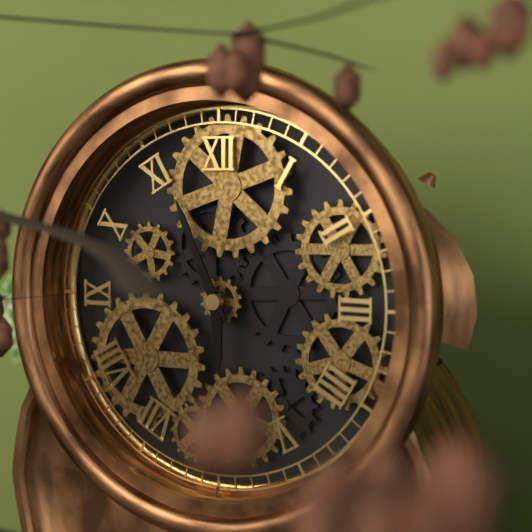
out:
{"hour": 5, "minute": 56}
